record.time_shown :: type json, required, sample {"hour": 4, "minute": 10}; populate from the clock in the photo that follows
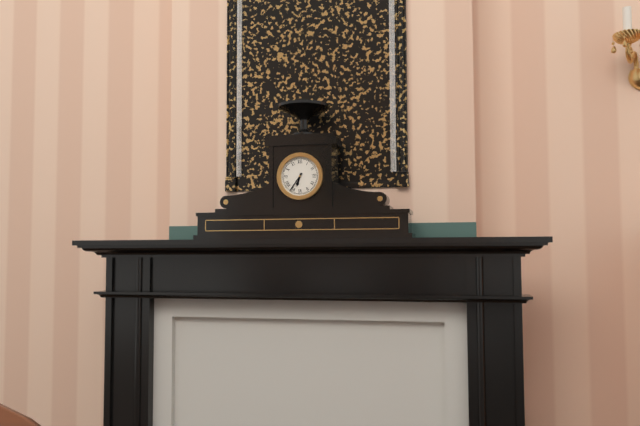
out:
{"hour": 6, "minute": 36}
